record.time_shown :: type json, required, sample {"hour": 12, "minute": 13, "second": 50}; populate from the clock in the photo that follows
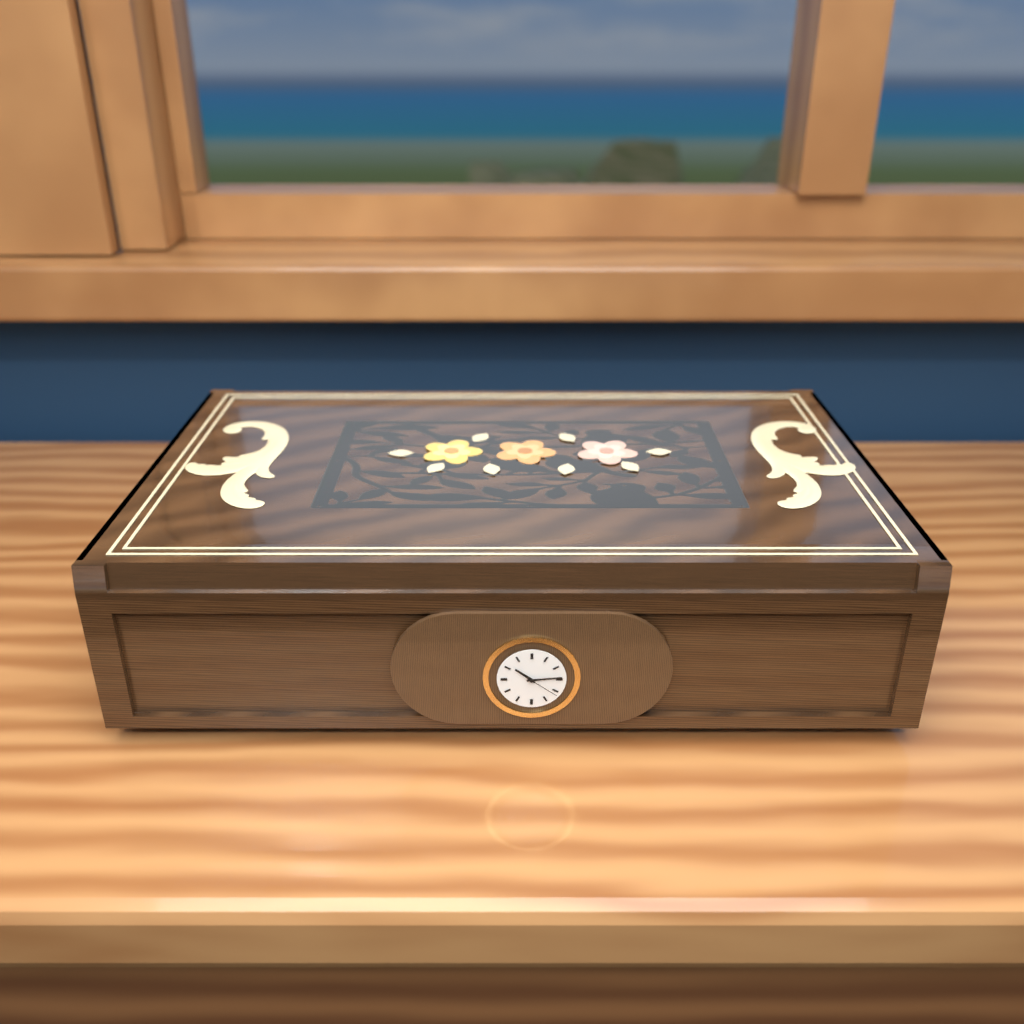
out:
{"hour": 10, "minute": 14, "second": 21}
